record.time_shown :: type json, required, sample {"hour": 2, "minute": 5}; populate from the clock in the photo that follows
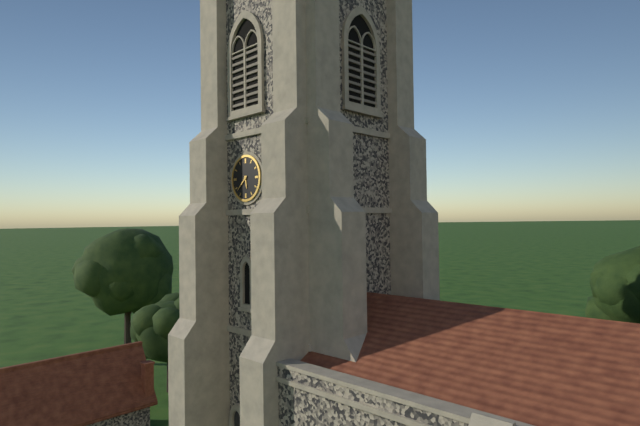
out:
{"hour": 5, "minute": 38}
